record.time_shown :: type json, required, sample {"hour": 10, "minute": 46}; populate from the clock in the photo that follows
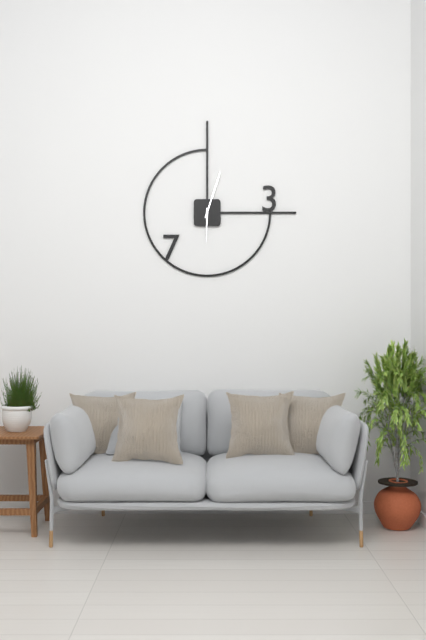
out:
{"hour": 6, "minute": 3}
